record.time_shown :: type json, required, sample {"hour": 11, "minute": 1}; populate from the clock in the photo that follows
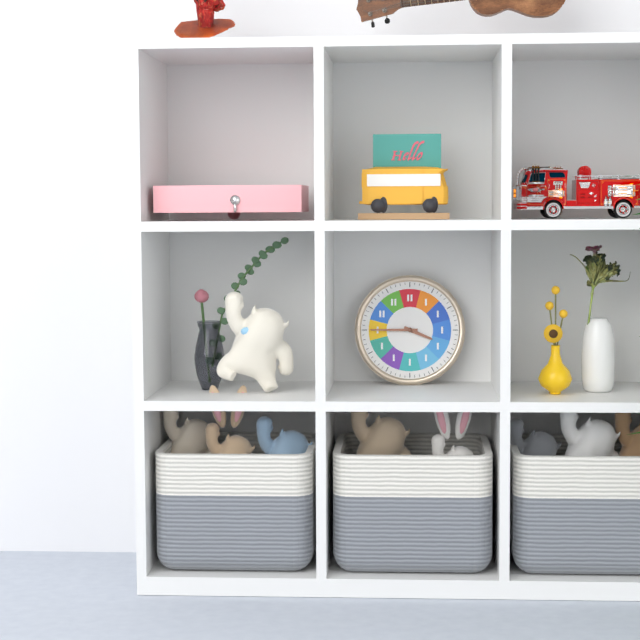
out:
{"hour": 3, "minute": 45}
